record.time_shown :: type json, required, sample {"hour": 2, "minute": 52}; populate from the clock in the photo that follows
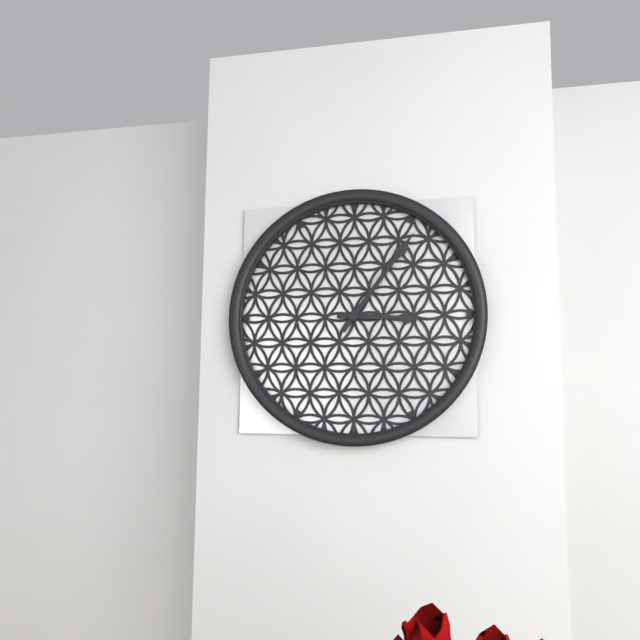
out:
{"hour": 3, "minute": 6}
